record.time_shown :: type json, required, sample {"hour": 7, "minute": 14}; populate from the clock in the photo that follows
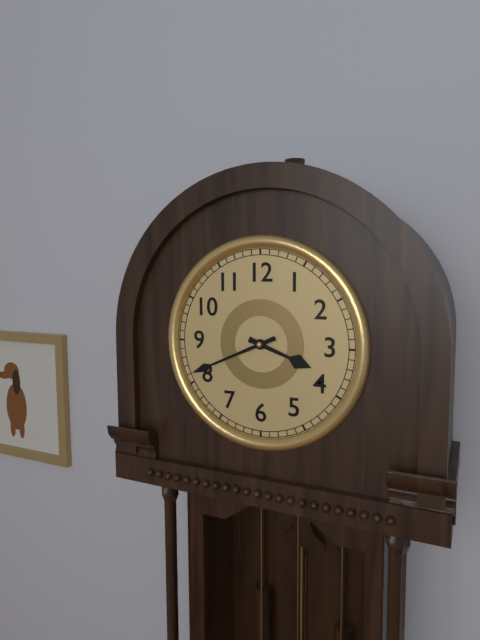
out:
{"hour": 3, "minute": 41}
